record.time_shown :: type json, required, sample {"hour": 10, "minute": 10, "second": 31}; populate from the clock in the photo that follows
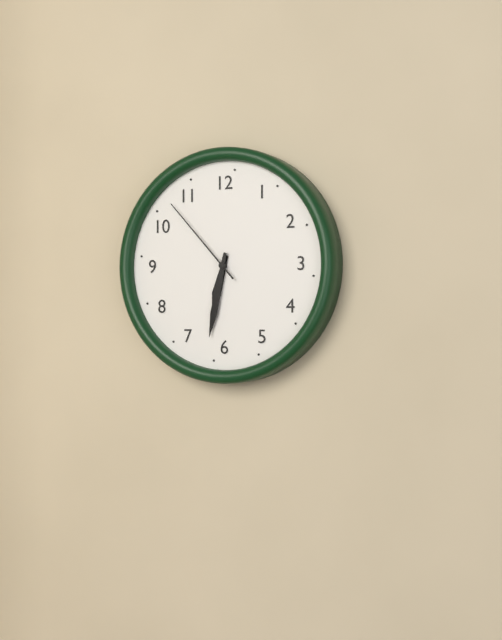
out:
{"hour": 6, "minute": 32, "second": 53}
